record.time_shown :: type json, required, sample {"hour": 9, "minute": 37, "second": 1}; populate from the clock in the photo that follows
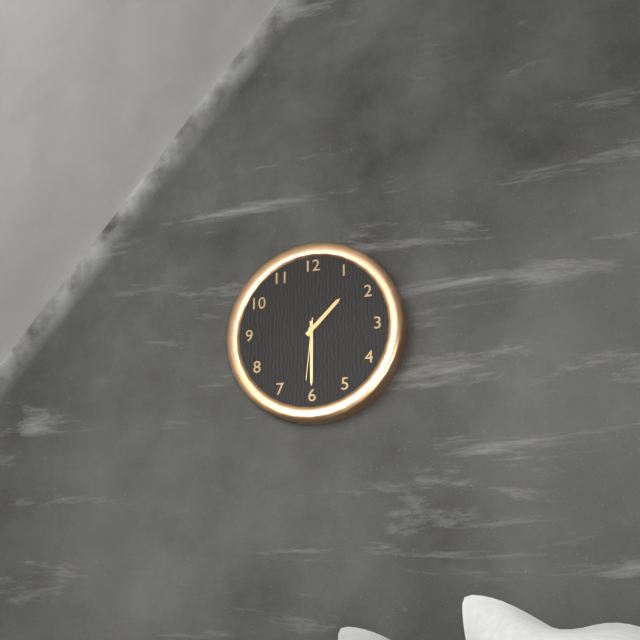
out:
{"hour": 1, "minute": 30, "second": 31}
